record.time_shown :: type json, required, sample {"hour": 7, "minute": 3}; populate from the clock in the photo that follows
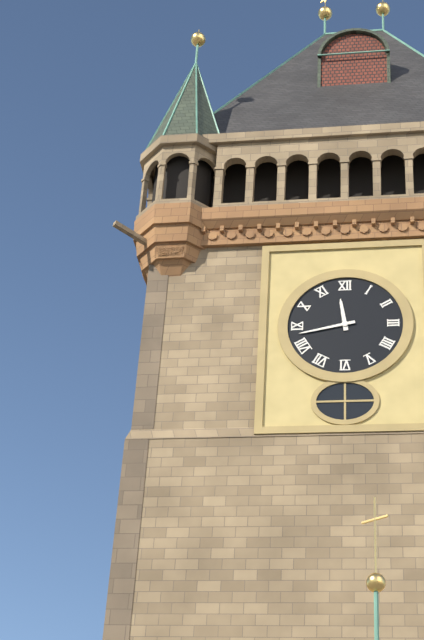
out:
{"hour": 11, "minute": 43}
